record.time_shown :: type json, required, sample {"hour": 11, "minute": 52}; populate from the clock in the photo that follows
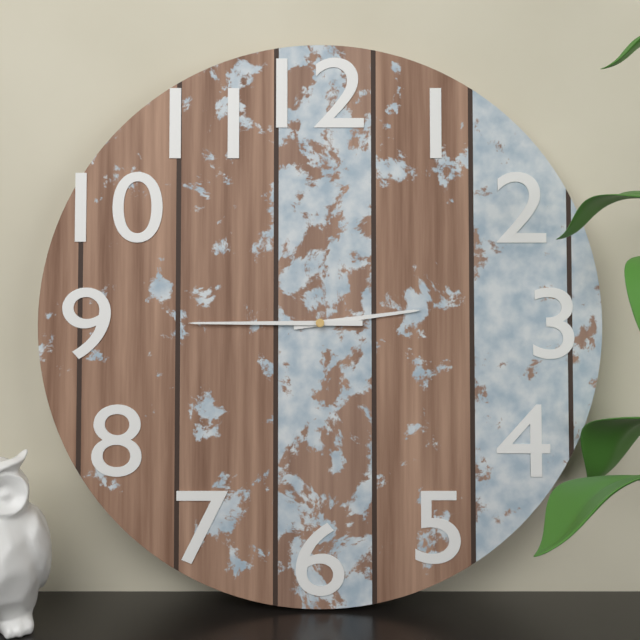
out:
{"hour": 2, "minute": 45}
